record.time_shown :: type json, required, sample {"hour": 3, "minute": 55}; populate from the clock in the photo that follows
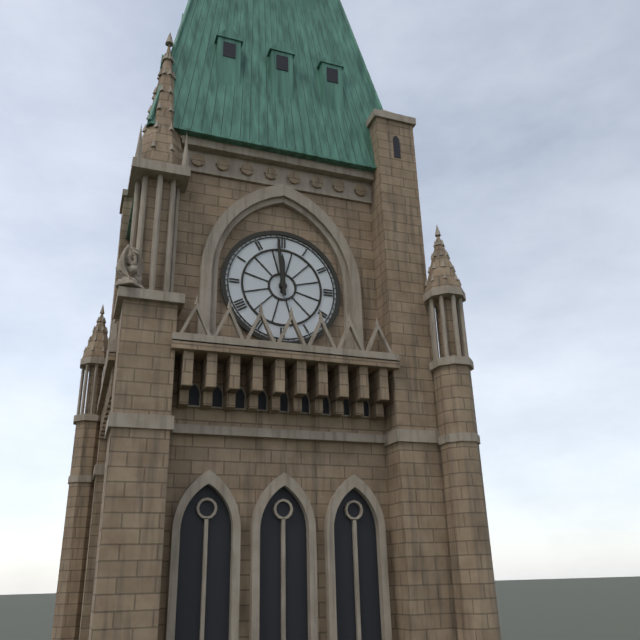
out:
{"hour": 11, "minute": 59}
